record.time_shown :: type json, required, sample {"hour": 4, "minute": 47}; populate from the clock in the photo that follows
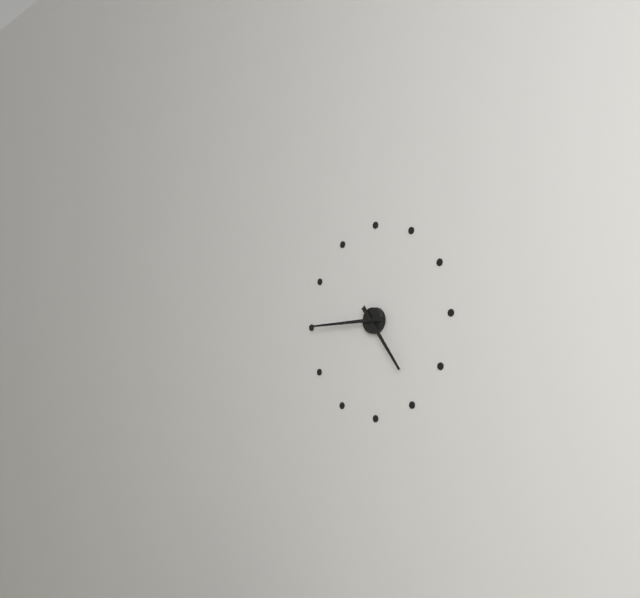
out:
{"hour": 4, "minute": 45}
